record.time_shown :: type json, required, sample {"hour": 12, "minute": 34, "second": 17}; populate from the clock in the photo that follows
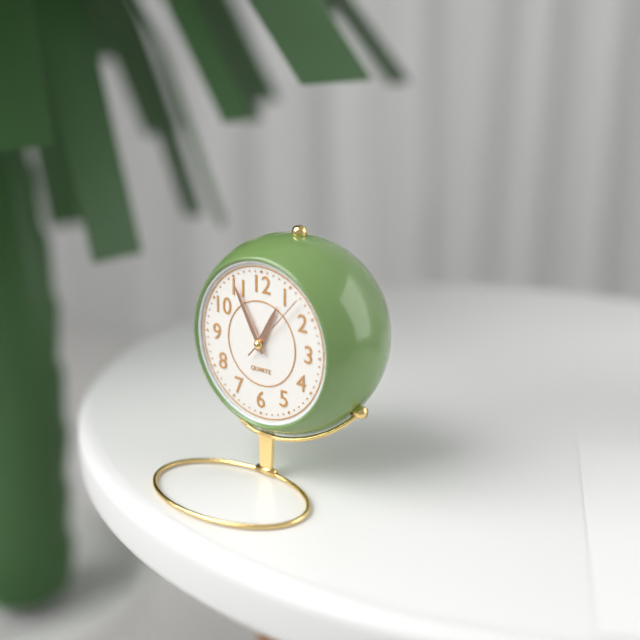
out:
{"hour": 12, "minute": 55, "second": 7}
